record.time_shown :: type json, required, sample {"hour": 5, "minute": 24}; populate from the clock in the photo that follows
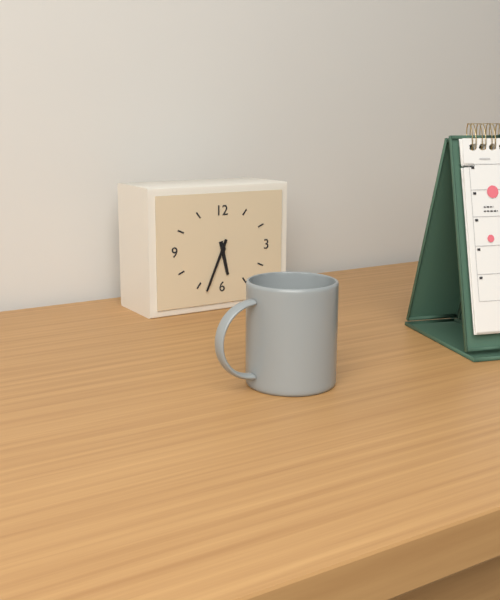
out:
{"hour": 5, "minute": 34}
